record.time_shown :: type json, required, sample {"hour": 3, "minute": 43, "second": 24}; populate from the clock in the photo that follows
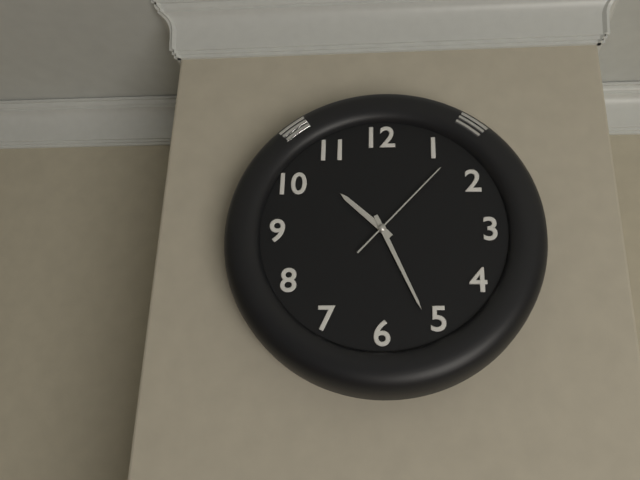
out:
{"hour": 10, "minute": 26, "second": 7}
